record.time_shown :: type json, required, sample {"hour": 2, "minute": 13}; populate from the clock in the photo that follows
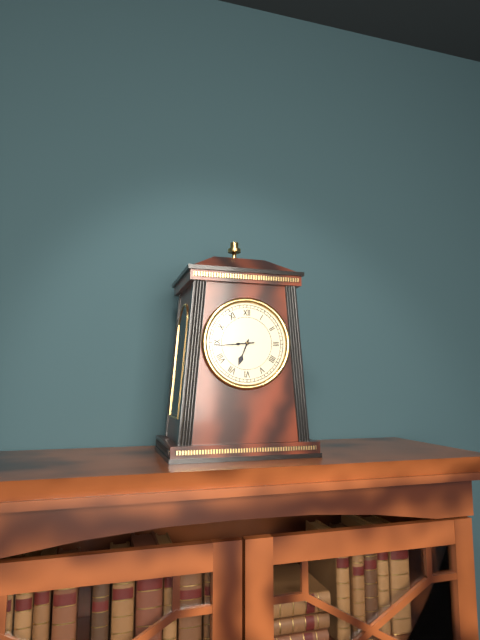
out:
{"hour": 6, "minute": 44}
